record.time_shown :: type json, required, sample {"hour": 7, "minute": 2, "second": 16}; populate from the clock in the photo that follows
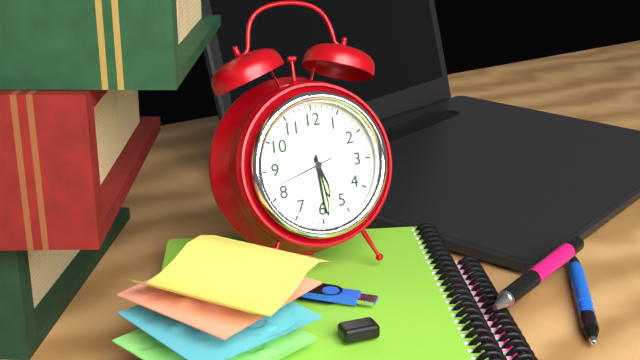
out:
{"hour": 5, "minute": 29, "second": 42}
